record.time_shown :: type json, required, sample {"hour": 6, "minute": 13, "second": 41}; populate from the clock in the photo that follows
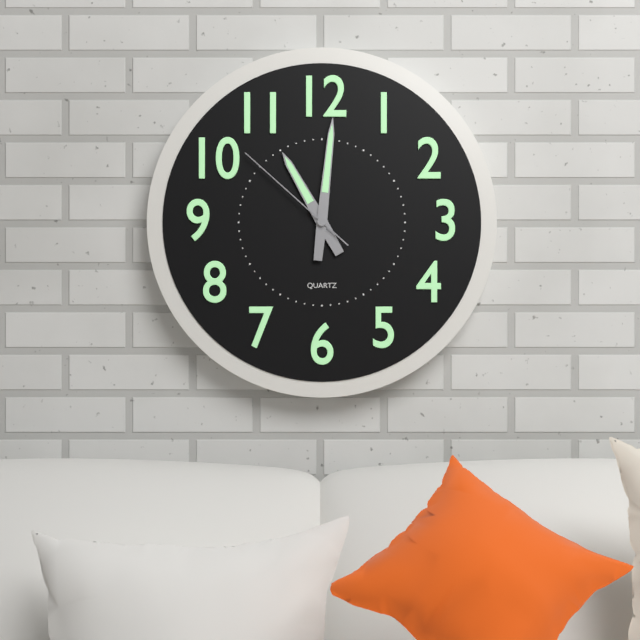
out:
{"hour": 11, "minute": 1, "second": 52}
